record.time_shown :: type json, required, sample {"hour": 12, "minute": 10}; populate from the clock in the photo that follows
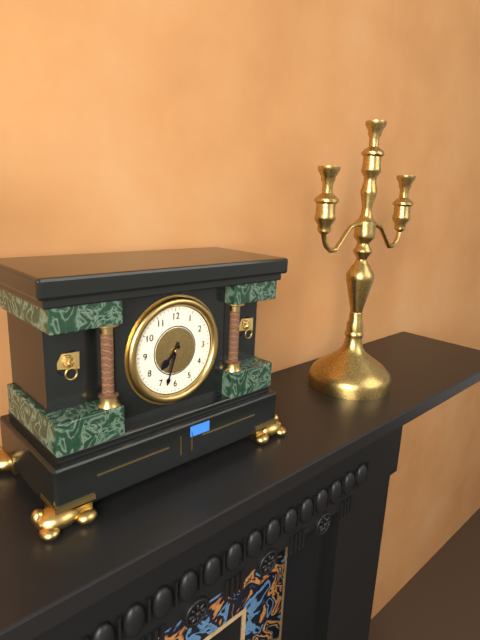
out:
{"hour": 7, "minute": 33}
